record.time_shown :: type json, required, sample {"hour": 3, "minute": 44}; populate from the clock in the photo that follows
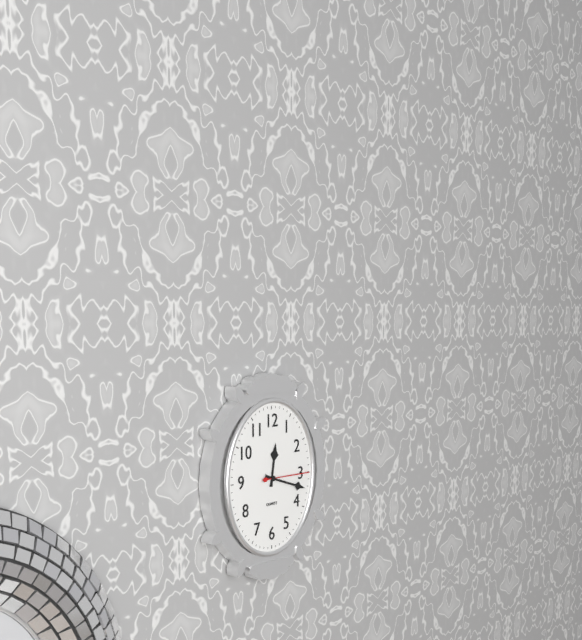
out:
{"hour": 12, "minute": 18}
